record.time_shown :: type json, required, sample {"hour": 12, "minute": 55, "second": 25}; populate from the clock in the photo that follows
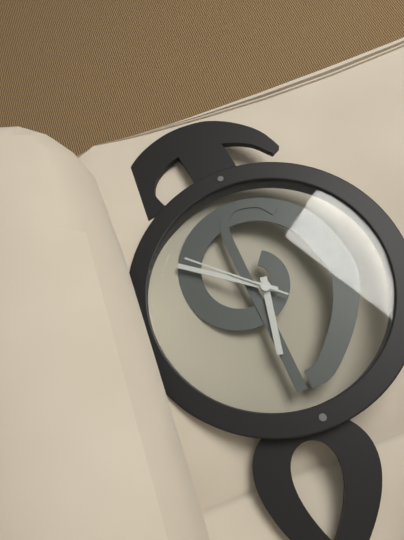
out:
{"hour": 12, "minute": 21, "second": 22}
